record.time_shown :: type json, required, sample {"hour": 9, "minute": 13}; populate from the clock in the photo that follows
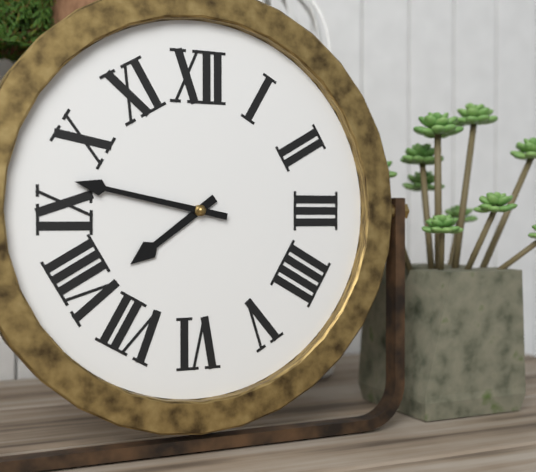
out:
{"hour": 7, "minute": 47}
